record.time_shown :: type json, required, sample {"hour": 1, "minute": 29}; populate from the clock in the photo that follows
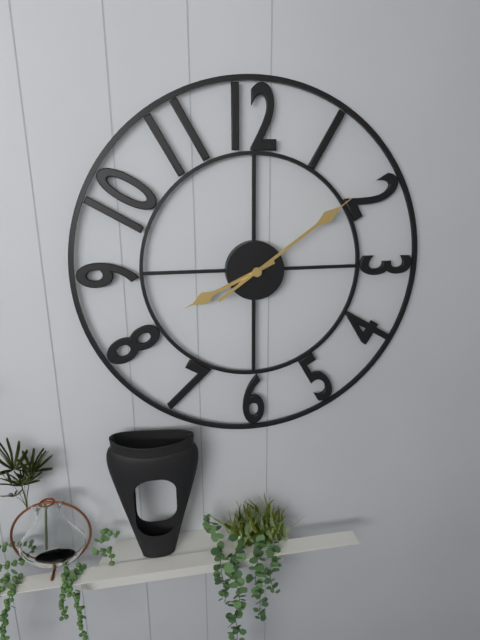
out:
{"hour": 8, "minute": 9}
